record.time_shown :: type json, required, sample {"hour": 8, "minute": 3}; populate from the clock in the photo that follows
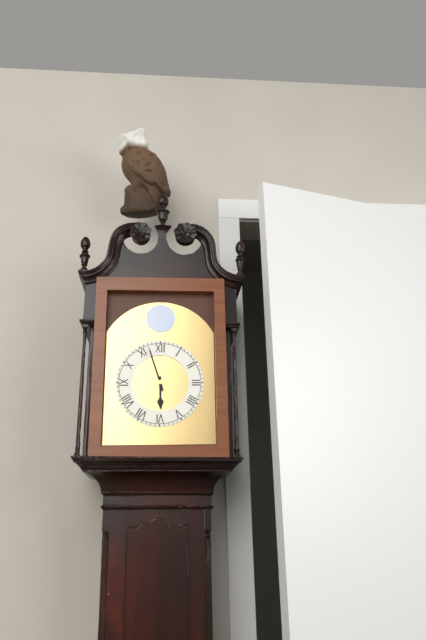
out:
{"hour": 5, "minute": 57}
